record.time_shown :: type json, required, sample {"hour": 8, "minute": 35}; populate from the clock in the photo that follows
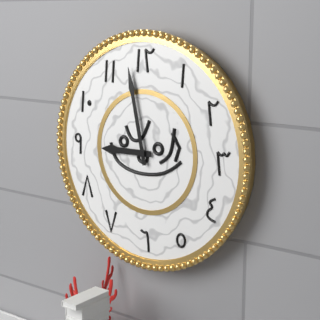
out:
{"hour": 8, "minute": 58}
